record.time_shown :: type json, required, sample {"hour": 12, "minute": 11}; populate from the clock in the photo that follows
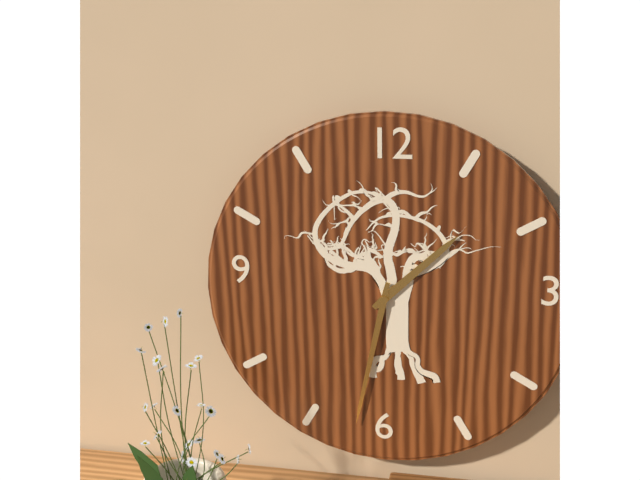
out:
{"hour": 1, "minute": 32}
